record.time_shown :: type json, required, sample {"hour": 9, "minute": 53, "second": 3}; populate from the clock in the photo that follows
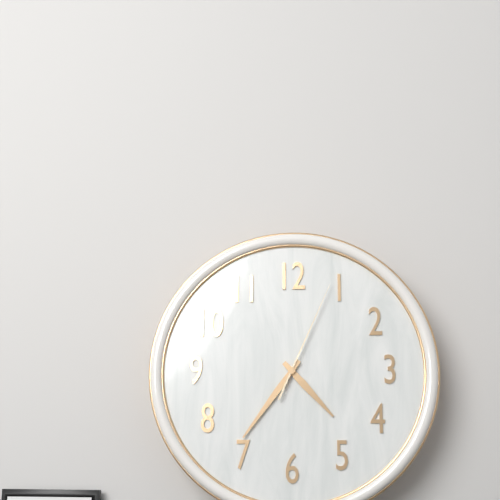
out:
{"hour": 4, "minute": 36, "second": 4}
